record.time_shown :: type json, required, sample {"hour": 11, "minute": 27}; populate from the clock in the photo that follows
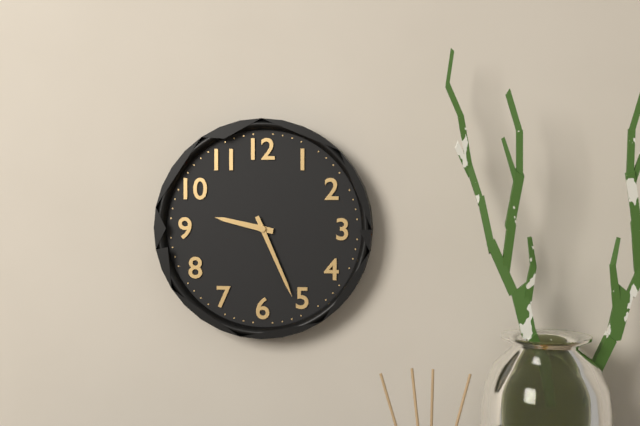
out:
{"hour": 9, "minute": 26}
